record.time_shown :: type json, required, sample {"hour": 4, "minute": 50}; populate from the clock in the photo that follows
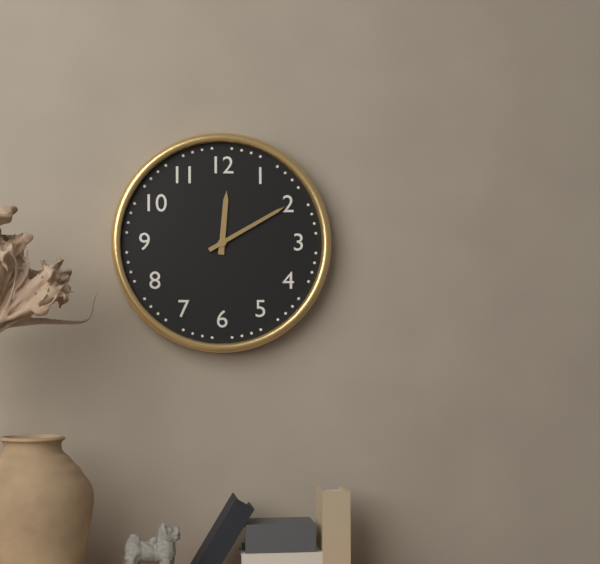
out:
{"hour": 12, "minute": 10}
